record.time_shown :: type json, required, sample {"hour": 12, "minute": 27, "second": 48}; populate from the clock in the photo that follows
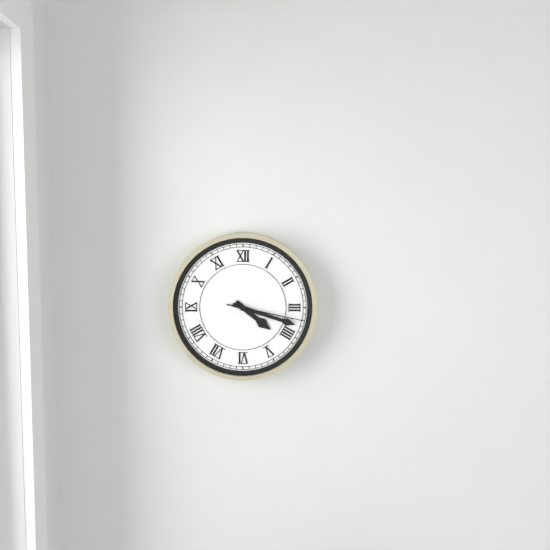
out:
{"hour": 4, "minute": 18, "second": 17}
